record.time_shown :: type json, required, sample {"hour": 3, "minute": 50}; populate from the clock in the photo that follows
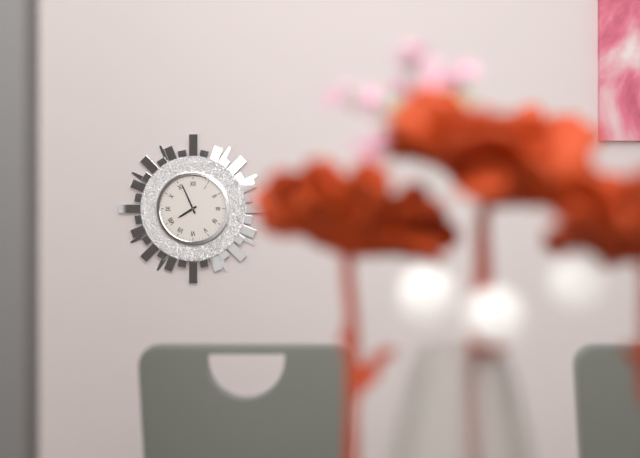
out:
{"hour": 7, "minute": 56}
